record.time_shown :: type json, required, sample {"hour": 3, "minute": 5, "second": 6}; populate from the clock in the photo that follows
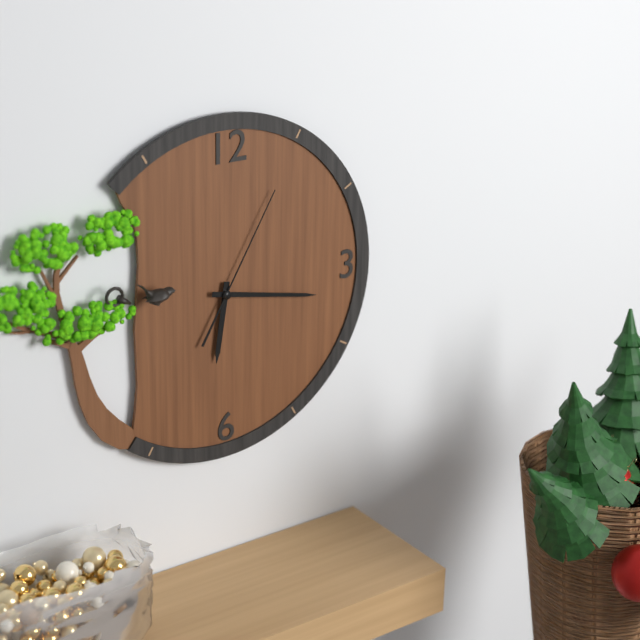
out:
{"hour": 6, "minute": 17, "second": 5}
